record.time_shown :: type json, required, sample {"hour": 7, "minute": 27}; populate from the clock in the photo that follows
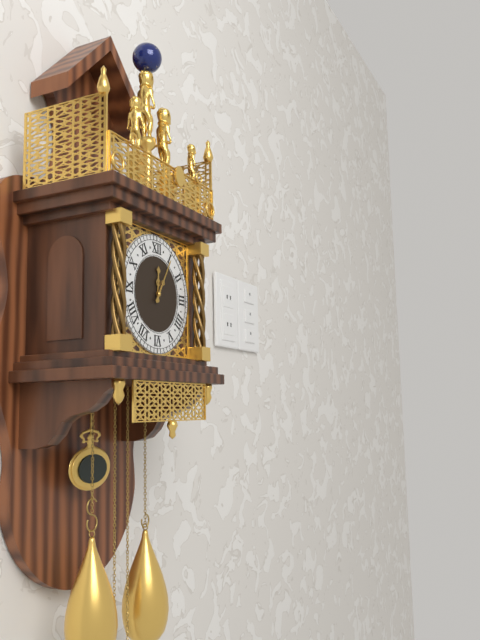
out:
{"hour": 12, "minute": 5}
